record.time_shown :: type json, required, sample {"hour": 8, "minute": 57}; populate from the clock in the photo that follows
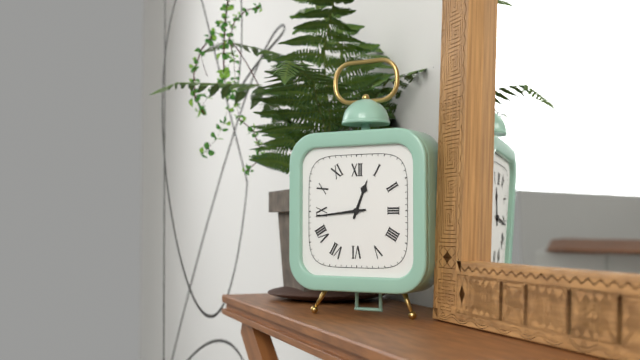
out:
{"hour": 12, "minute": 44}
